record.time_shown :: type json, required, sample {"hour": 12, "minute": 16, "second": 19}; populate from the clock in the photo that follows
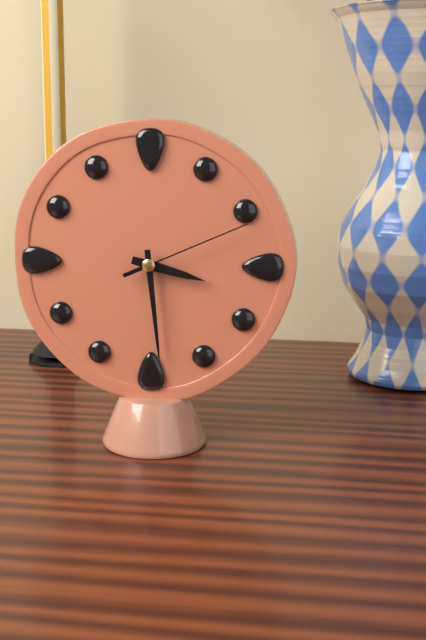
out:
{"hour": 3, "minute": 29, "second": 11}
